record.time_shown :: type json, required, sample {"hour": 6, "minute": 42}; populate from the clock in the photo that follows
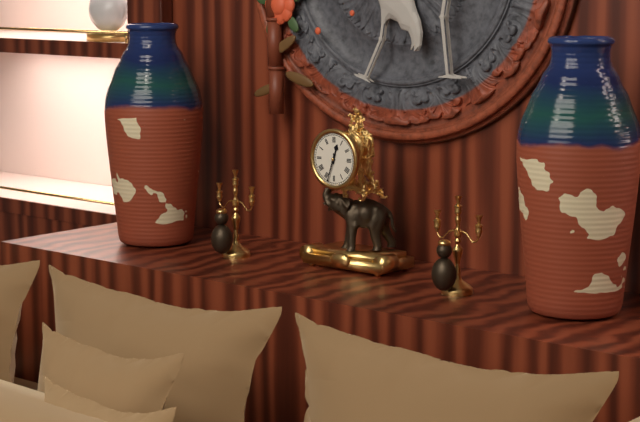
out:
{"hour": 12, "minute": 33}
